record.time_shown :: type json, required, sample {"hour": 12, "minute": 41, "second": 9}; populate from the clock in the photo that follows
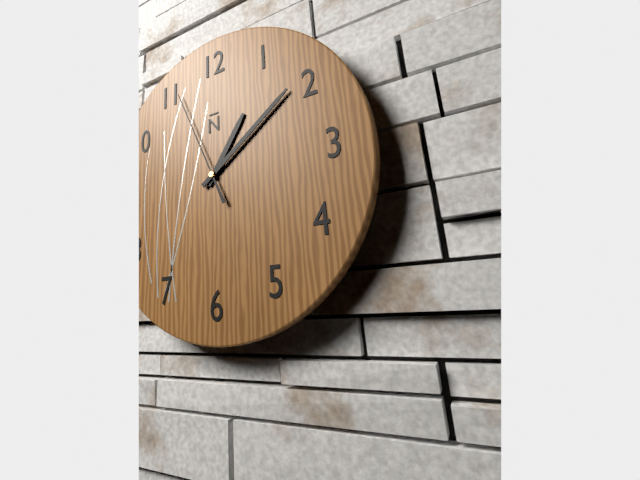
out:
{"hour": 1, "minute": 9, "second": 56}
